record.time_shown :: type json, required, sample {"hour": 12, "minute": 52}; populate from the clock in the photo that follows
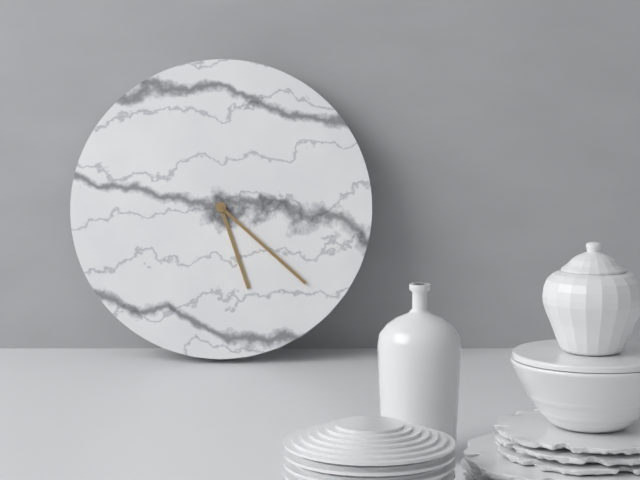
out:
{"hour": 5, "minute": 22}
